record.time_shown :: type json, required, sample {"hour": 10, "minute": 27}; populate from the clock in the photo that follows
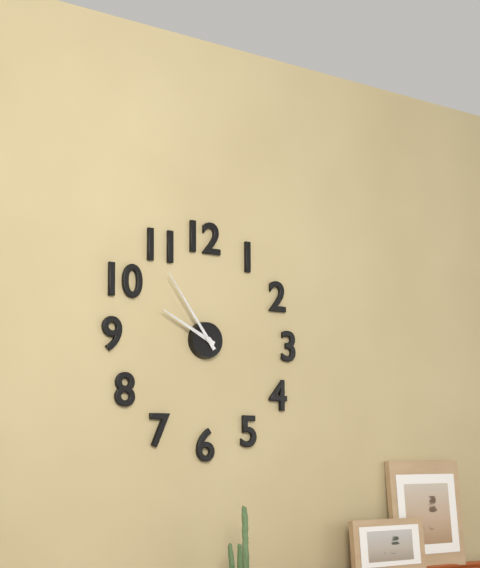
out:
{"hour": 9, "minute": 54}
